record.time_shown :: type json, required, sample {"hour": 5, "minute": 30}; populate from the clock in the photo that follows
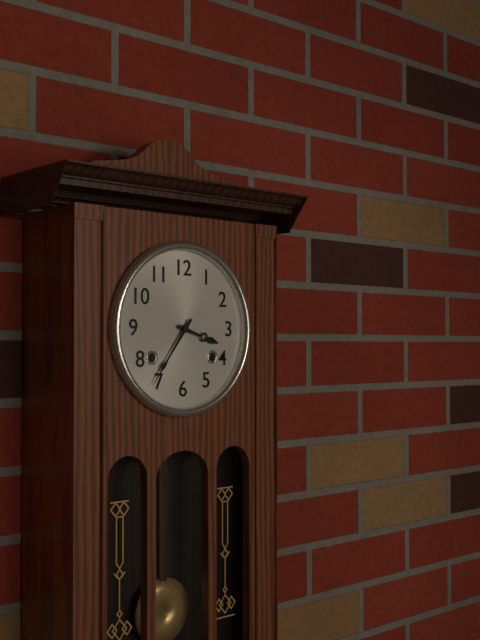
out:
{"hour": 3, "minute": 36}
